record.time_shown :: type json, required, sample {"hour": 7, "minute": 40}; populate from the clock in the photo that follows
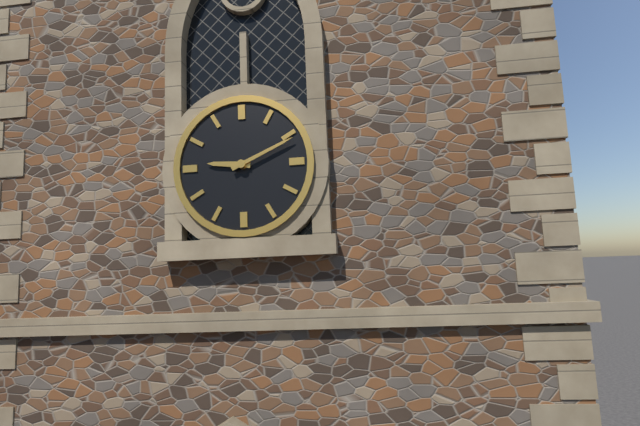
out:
{"hour": 9, "minute": 11}
